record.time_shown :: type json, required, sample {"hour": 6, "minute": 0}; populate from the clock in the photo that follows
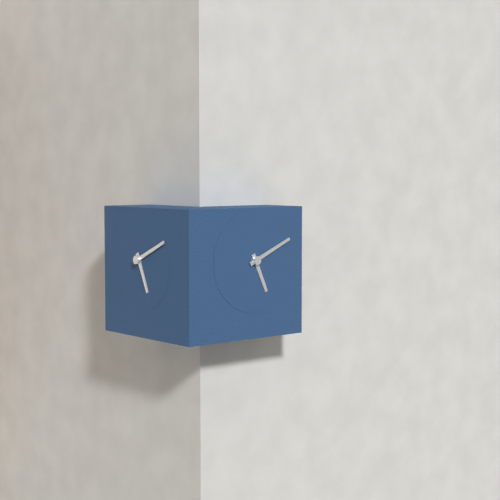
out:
{"hour": 5, "minute": 11}
